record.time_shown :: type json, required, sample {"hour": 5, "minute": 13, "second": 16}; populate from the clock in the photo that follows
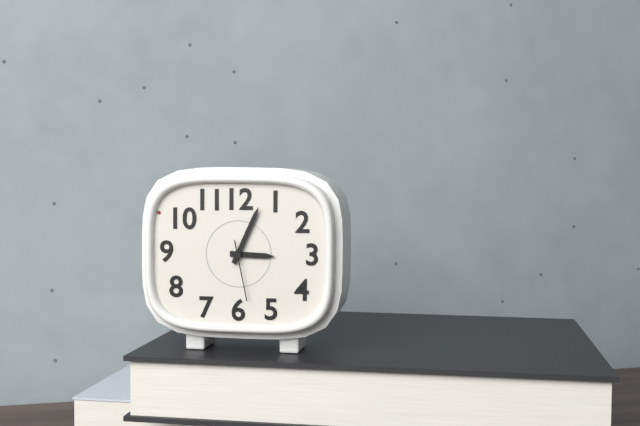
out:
{"hour": 3, "minute": 4, "second": 28}
